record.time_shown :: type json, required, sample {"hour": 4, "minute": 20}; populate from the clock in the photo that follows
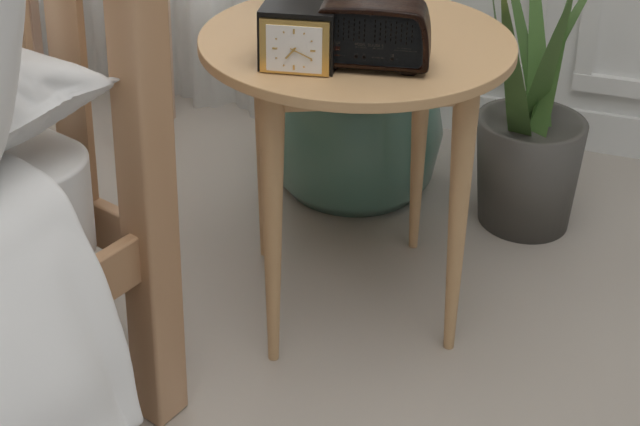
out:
{"hour": 7, "minute": 19}
